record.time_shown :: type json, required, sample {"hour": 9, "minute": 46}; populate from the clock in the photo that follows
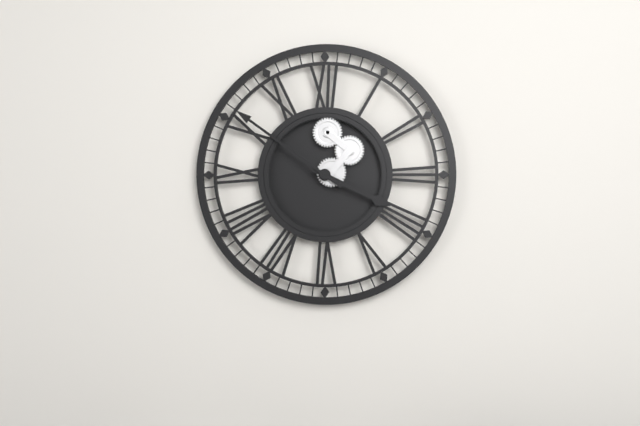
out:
{"hour": 3, "minute": 51}
